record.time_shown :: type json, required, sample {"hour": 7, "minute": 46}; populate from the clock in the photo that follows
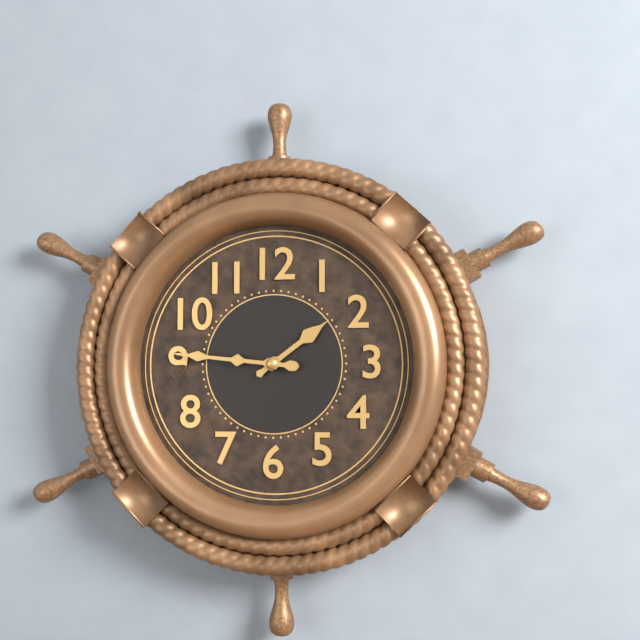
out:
{"hour": 1, "minute": 46}
